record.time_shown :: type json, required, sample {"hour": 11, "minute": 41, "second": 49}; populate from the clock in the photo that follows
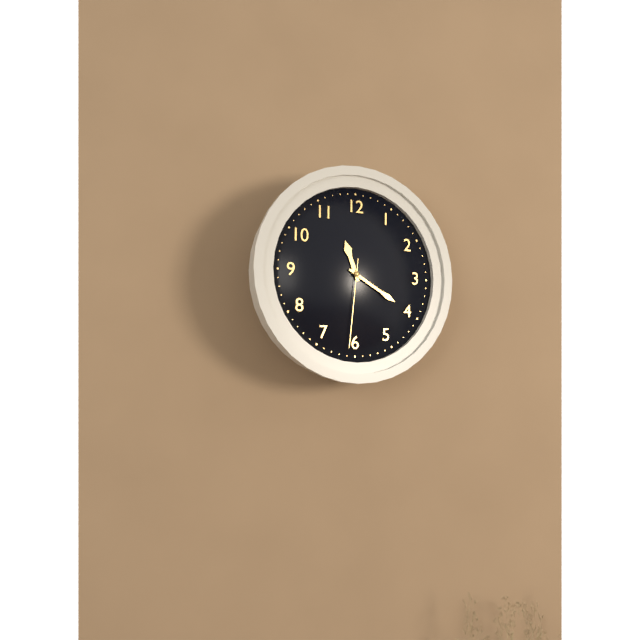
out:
{"hour": 11, "minute": 20, "second": 31}
